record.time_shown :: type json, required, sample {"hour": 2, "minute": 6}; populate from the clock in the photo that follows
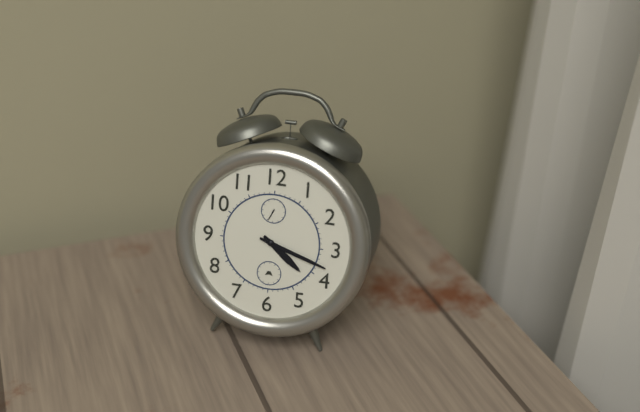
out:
{"hour": 4, "minute": 18}
